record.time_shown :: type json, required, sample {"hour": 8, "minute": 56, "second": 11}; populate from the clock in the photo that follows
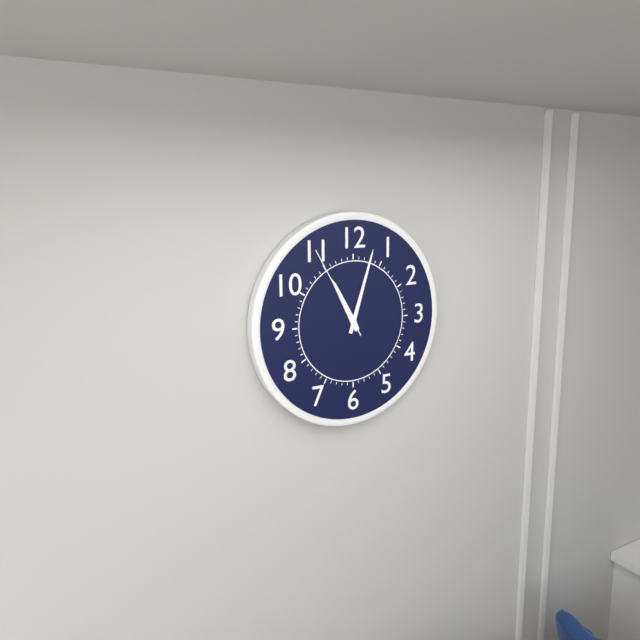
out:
{"hour": 11, "minute": 3, "second": 55}
